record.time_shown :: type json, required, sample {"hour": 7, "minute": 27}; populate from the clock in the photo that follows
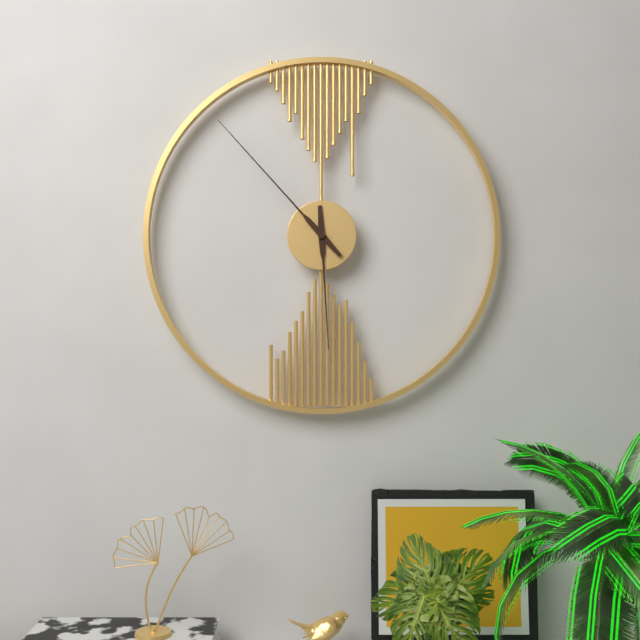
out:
{"hour": 5, "minute": 53}
